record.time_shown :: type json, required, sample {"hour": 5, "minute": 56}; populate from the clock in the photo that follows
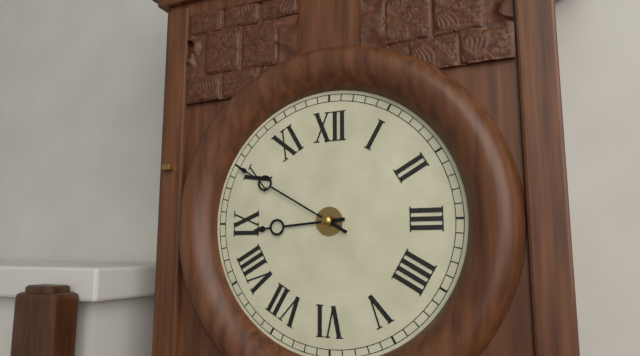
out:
{"hour": 8, "minute": 50}
